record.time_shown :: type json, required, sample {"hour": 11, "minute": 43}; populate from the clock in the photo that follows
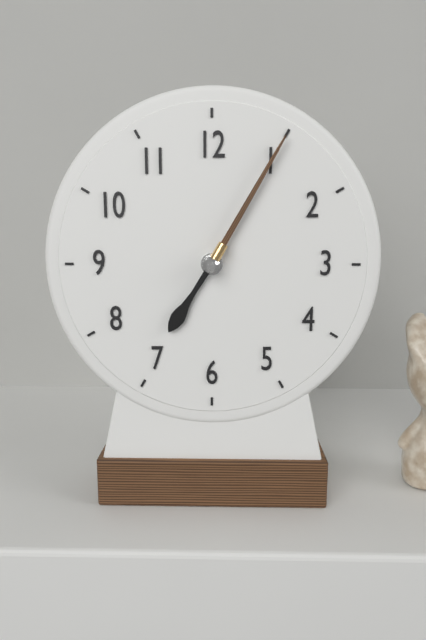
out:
{"hour": 7, "minute": 5}
